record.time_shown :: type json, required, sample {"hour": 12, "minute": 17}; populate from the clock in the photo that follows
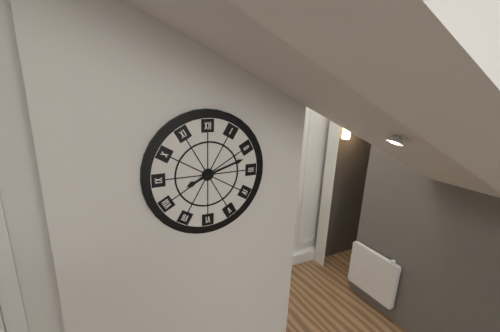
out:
{"hour": 8, "minute": 12}
